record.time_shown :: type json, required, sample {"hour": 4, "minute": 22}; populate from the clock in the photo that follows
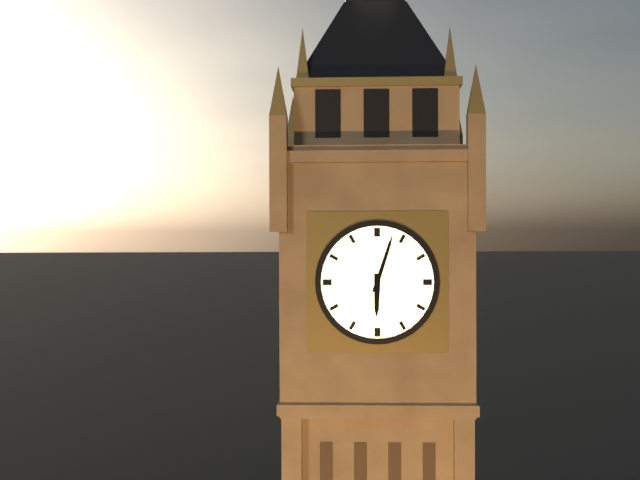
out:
{"hour": 6, "minute": 3}
